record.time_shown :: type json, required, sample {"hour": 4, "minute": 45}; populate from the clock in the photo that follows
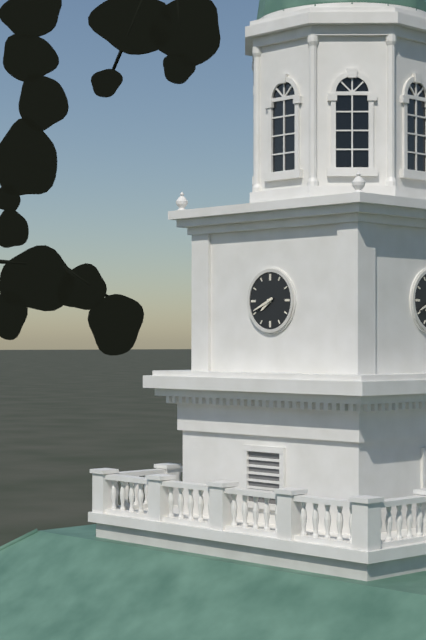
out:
{"hour": 7, "minute": 41}
